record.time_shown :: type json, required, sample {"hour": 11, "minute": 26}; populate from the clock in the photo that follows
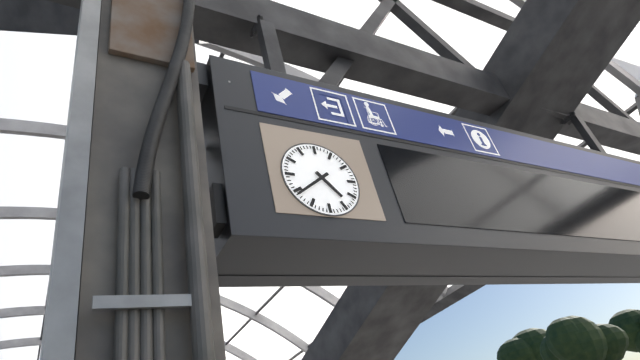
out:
{"hour": 4, "minute": 39}
